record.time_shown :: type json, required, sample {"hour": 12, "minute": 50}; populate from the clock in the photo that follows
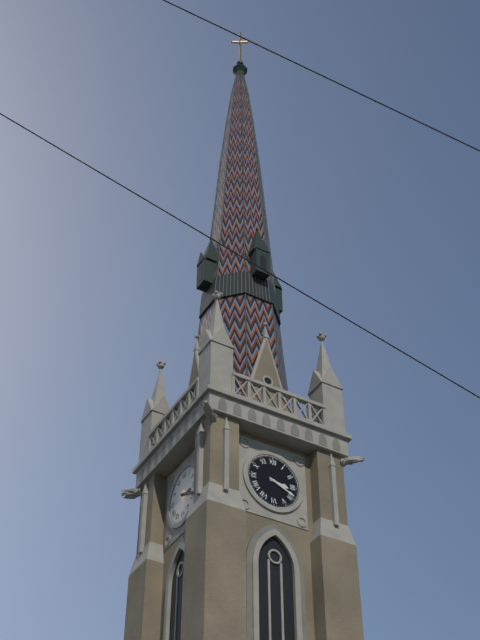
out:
{"hour": 3, "minute": 19}
